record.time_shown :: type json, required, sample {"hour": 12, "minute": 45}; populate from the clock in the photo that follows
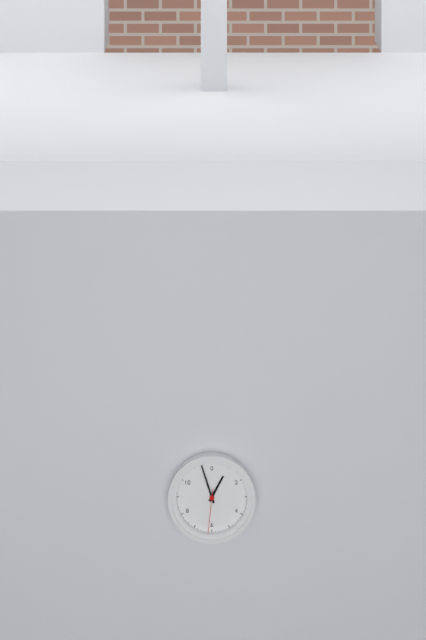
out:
{"hour": 12, "minute": 57}
